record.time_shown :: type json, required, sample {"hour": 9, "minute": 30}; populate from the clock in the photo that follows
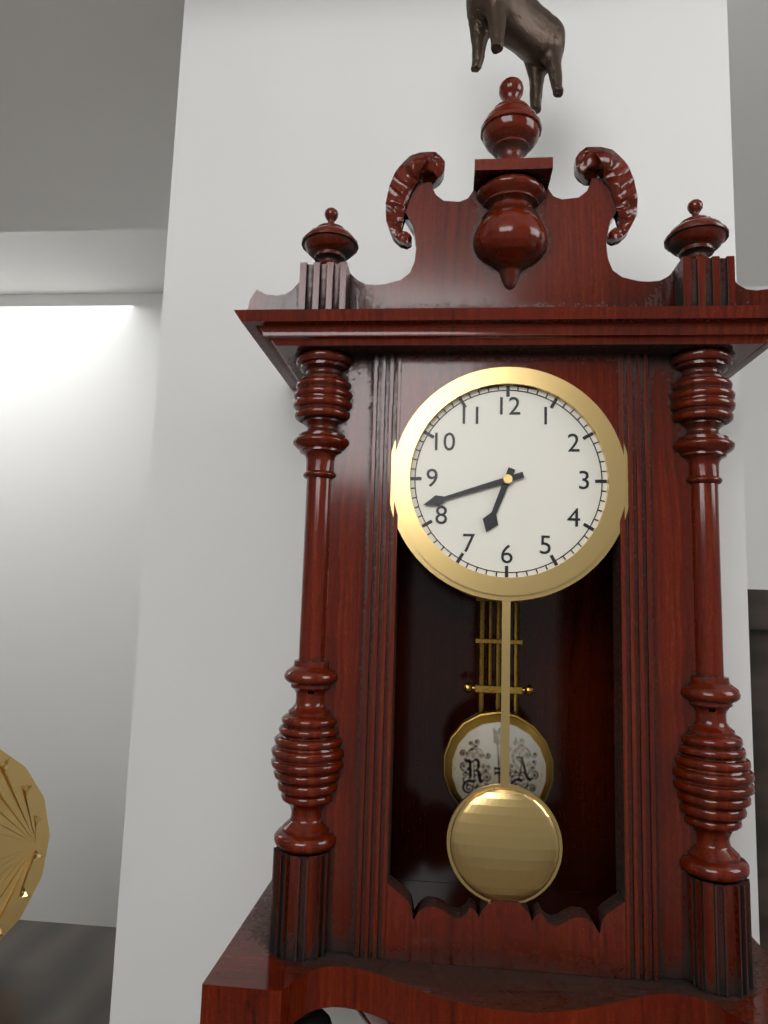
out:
{"hour": 6, "minute": 42}
